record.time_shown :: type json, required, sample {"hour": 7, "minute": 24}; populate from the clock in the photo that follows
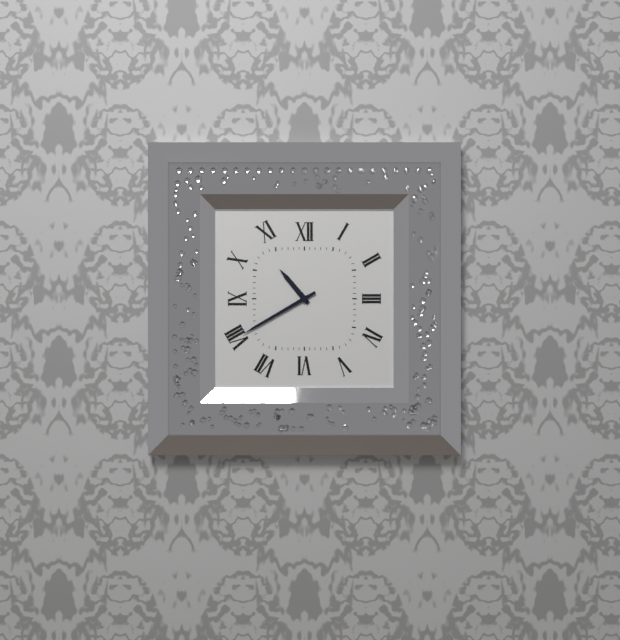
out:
{"hour": 10, "minute": 40}
